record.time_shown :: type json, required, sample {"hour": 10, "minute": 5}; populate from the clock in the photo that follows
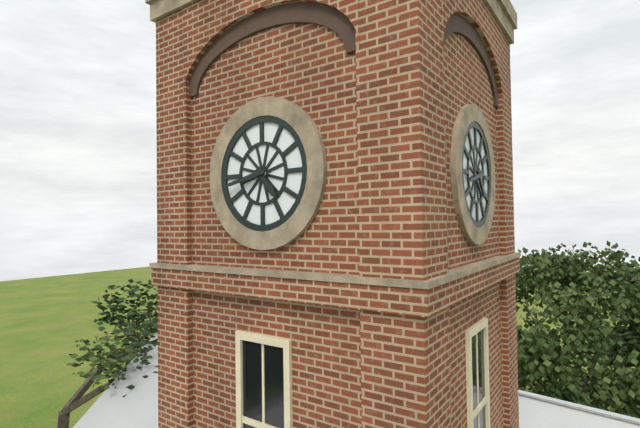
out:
{"hour": 4, "minute": 43}
